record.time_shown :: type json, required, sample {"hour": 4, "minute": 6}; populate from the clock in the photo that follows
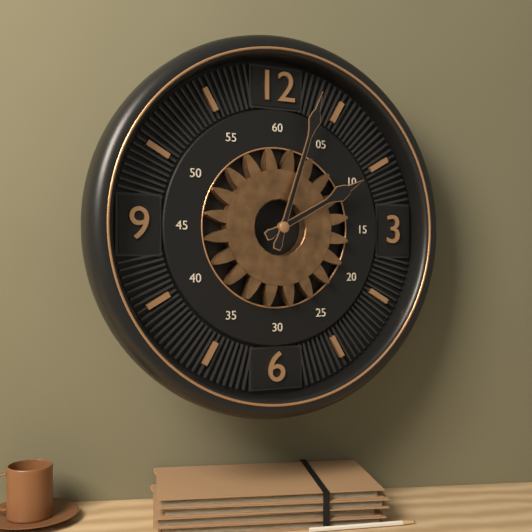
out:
{"hour": 2, "minute": 3}
